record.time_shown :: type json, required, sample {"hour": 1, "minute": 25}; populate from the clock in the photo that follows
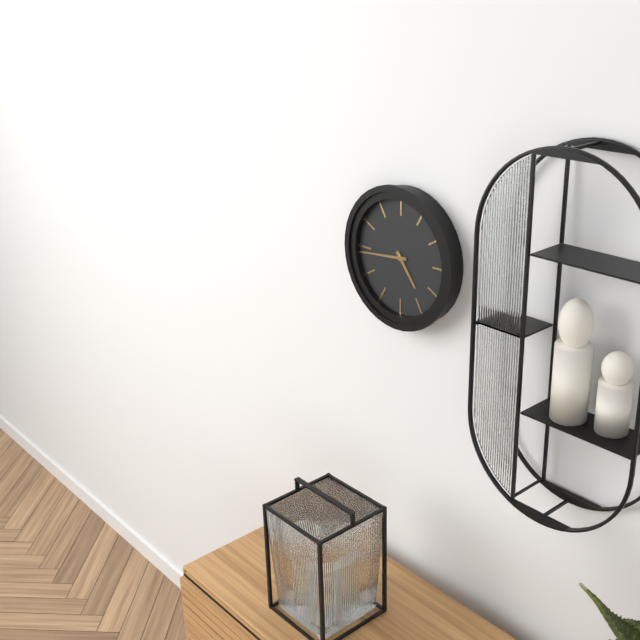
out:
{"hour": 4, "minute": 44}
